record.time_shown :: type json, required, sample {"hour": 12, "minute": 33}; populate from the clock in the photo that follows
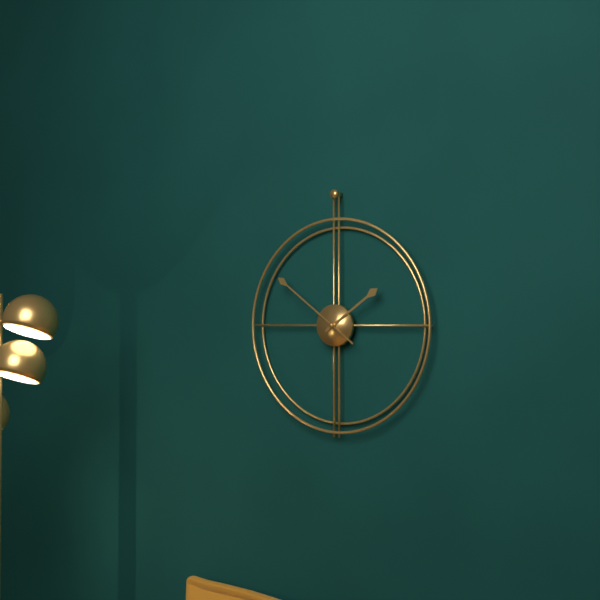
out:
{"hour": 1, "minute": 51}
